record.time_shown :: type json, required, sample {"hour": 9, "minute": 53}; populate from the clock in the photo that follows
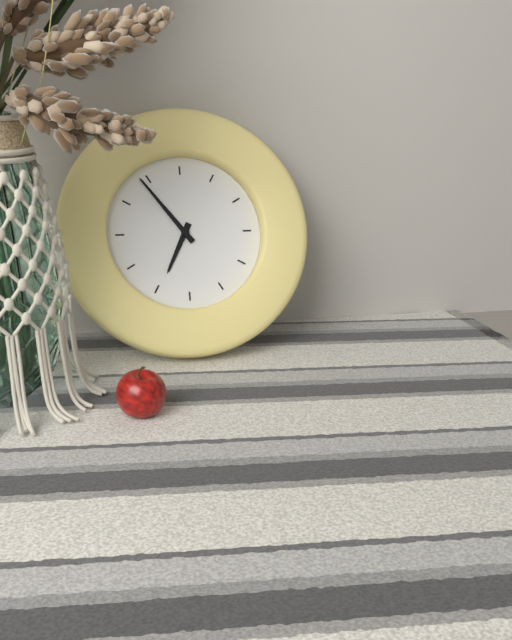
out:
{"hour": 6, "minute": 54}
